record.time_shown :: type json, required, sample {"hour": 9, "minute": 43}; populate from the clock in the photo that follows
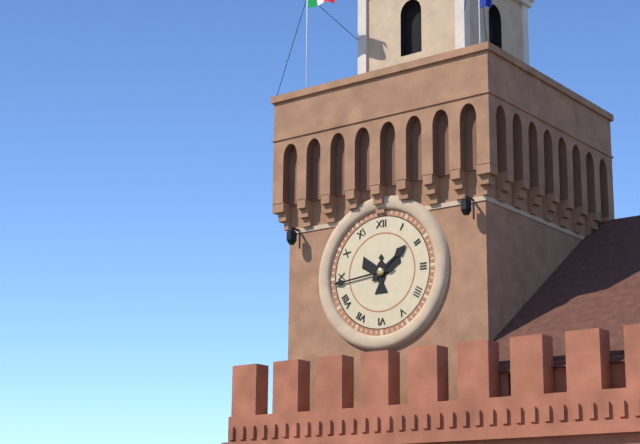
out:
{"hour": 1, "minute": 44}
